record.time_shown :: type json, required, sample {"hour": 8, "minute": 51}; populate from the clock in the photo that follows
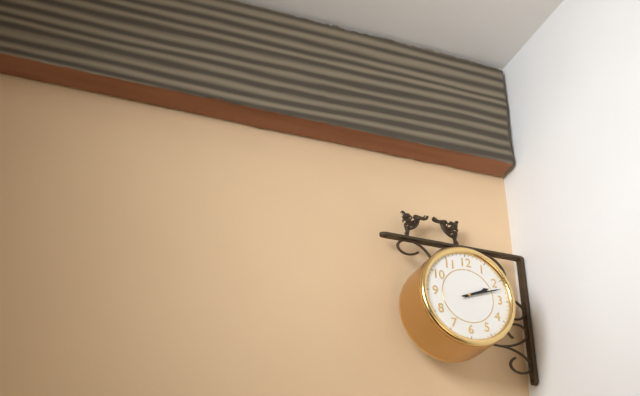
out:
{"hour": 2, "minute": 12}
